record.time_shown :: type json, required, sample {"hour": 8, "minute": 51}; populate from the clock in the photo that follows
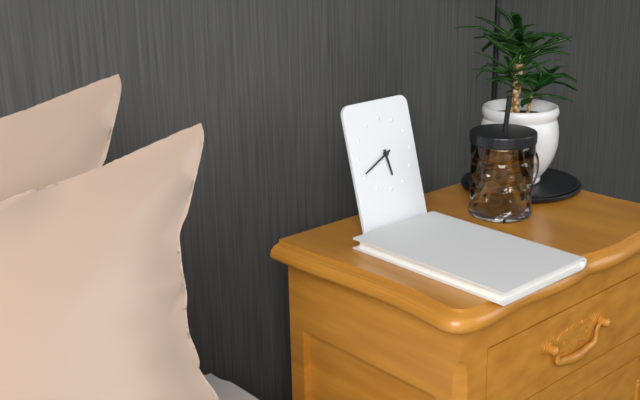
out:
{"hour": 5, "minute": 41}
